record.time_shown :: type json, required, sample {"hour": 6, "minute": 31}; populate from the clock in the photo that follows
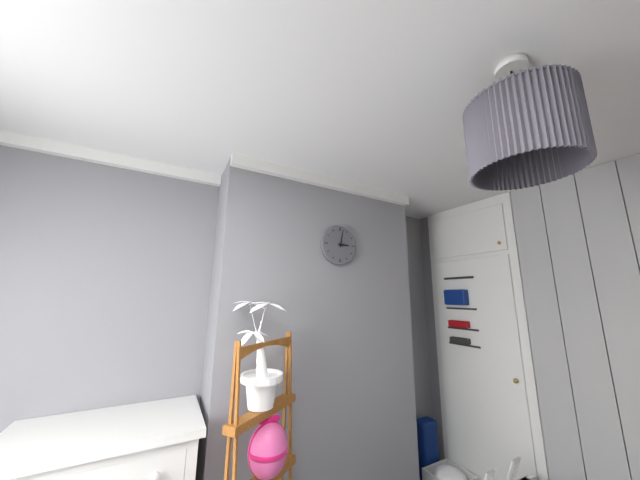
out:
{"hour": 3, "minute": 2}
